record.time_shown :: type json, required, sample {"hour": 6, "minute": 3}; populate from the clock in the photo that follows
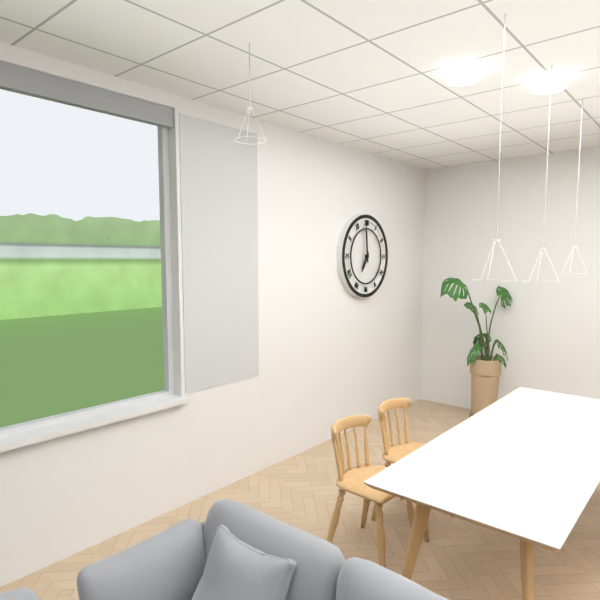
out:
{"hour": 6, "minute": 59}
